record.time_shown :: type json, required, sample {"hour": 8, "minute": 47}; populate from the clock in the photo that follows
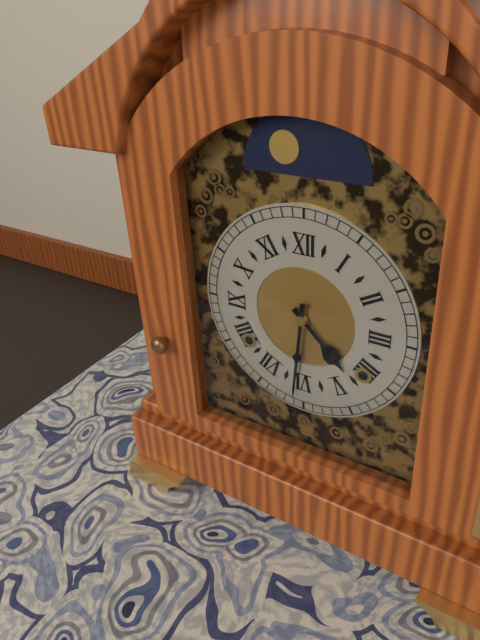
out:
{"hour": 4, "minute": 31}
